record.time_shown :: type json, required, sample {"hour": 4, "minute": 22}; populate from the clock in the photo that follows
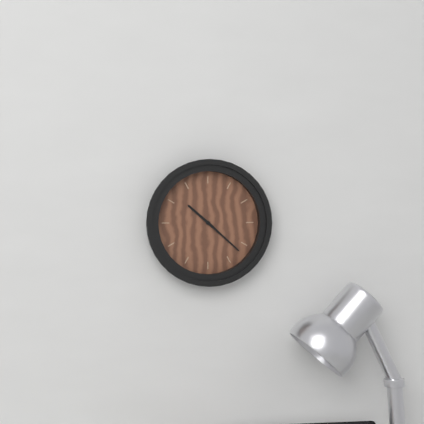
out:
{"hour": 10, "minute": 22}
